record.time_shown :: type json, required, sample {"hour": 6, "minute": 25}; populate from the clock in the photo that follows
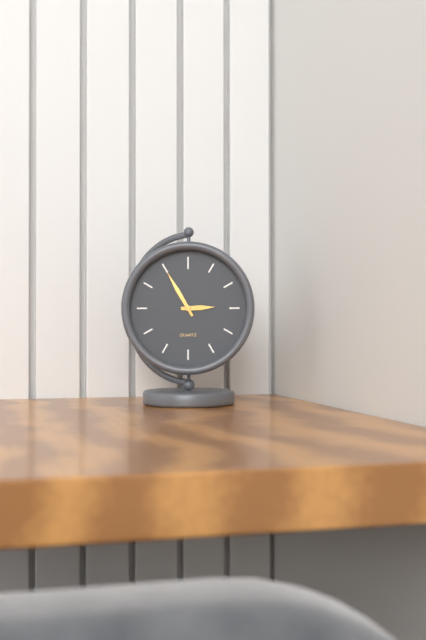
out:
{"hour": 2, "minute": 55}
